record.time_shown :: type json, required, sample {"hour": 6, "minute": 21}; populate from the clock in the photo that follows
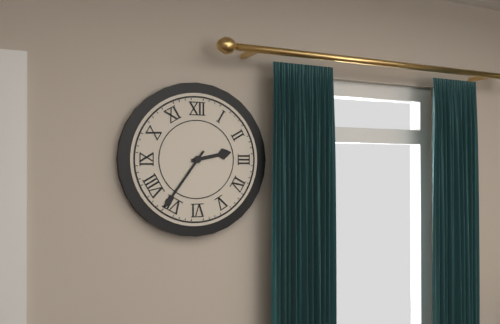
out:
{"hour": 2, "minute": 36}
